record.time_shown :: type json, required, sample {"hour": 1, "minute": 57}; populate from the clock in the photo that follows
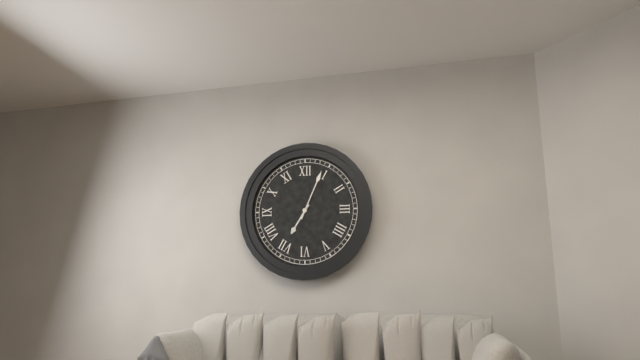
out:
{"hour": 7, "minute": 4}
